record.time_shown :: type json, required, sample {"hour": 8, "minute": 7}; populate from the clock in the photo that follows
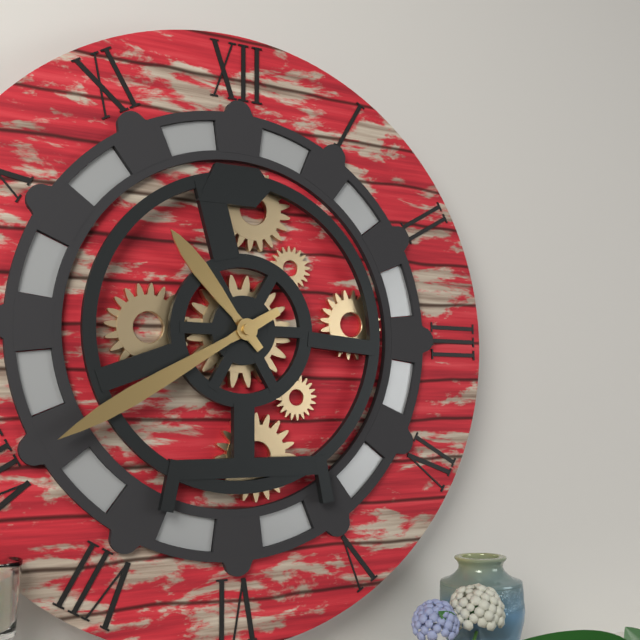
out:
{"hour": 10, "minute": 40}
